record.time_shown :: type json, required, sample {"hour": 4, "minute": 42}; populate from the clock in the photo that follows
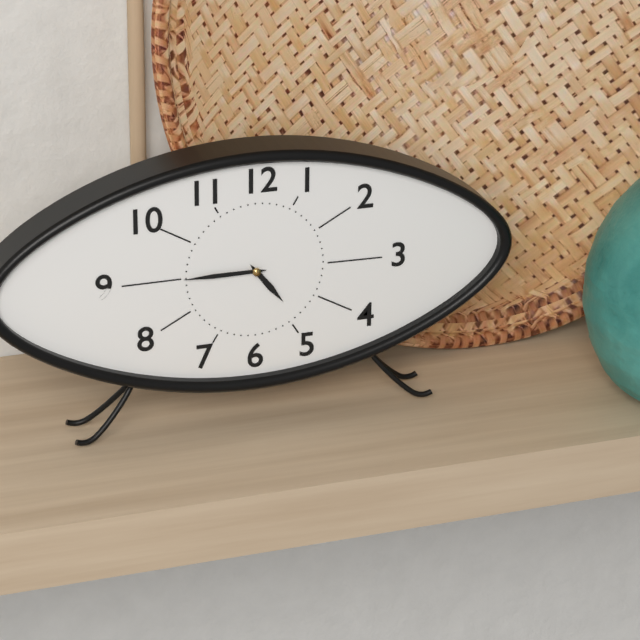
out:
{"hour": 4, "minute": 45}
